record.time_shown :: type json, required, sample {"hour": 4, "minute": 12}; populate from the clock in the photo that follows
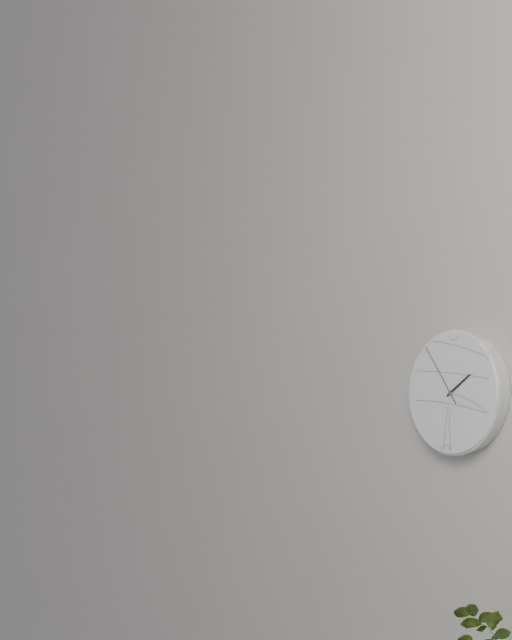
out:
{"hour": 1, "minute": 54}
